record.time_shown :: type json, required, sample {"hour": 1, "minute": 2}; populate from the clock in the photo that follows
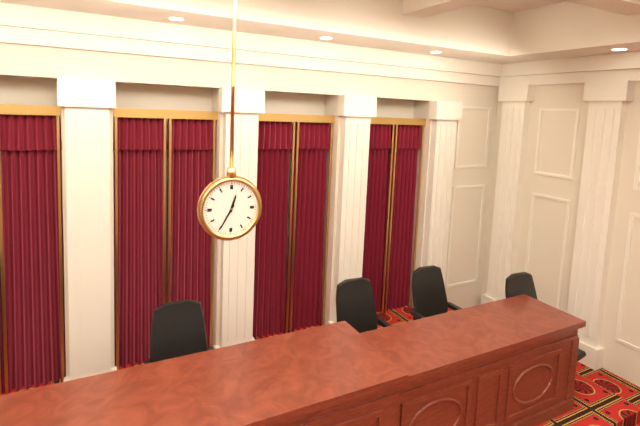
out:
{"hour": 12, "minute": 35}
